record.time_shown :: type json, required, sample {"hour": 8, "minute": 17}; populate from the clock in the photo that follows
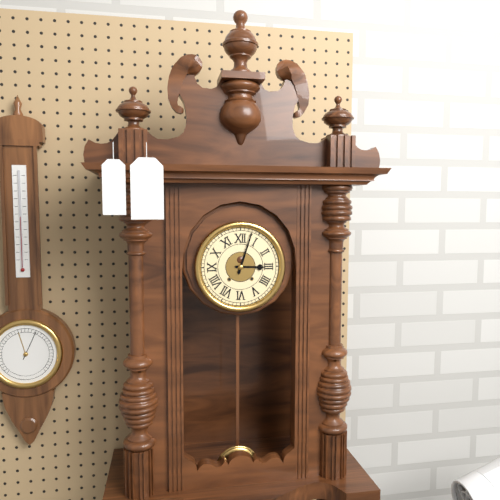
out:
{"hour": 3, "minute": 3}
